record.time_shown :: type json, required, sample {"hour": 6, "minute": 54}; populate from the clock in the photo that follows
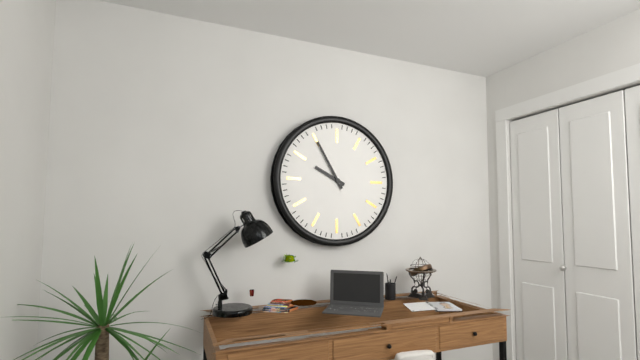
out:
{"hour": 9, "minute": 55}
